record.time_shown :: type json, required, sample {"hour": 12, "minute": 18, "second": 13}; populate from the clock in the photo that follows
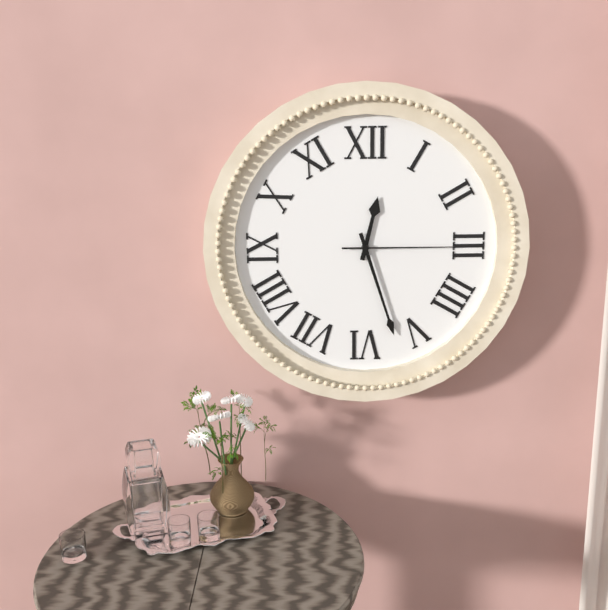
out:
{"hour": 12, "minute": 27, "second": 15}
